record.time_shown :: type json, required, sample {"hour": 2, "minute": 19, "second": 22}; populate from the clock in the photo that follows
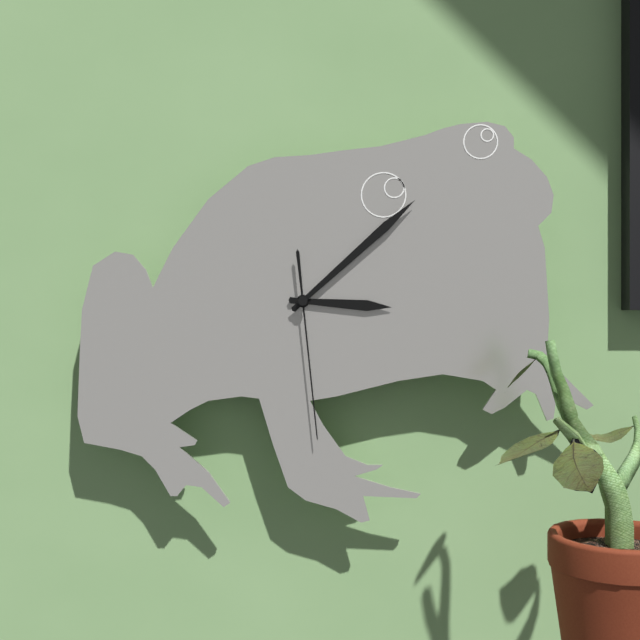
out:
{"hour": 3, "minute": 8, "second": 29}
